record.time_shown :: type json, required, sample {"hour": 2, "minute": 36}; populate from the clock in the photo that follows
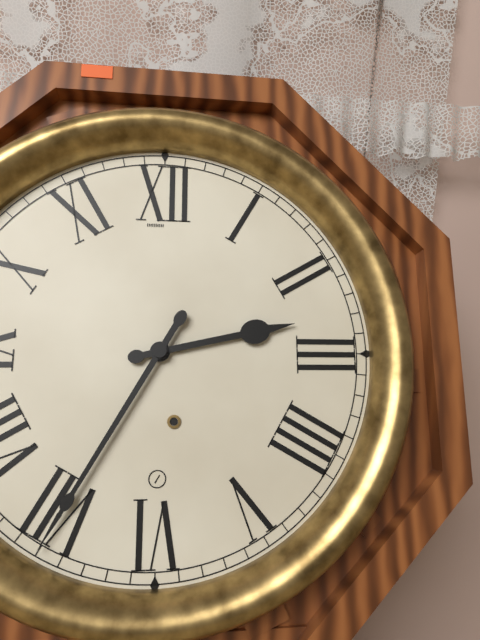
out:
{"hour": 2, "minute": 35}
